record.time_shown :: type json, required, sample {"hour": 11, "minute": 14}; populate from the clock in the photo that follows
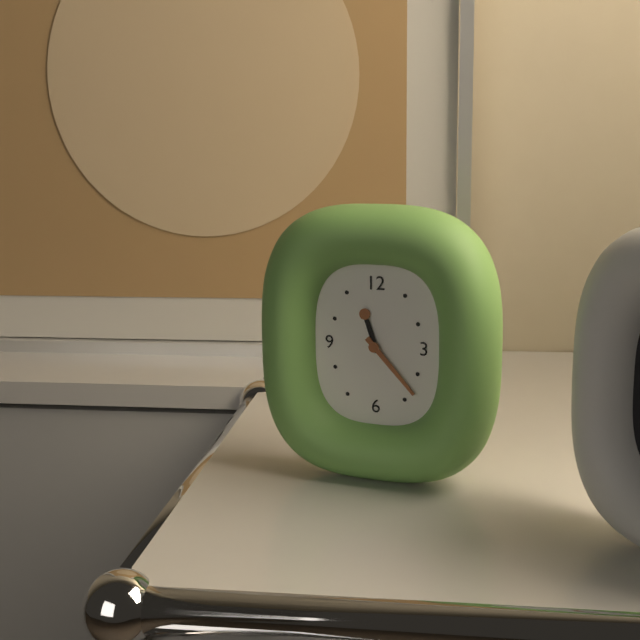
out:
{"hour": 11, "minute": 23}
